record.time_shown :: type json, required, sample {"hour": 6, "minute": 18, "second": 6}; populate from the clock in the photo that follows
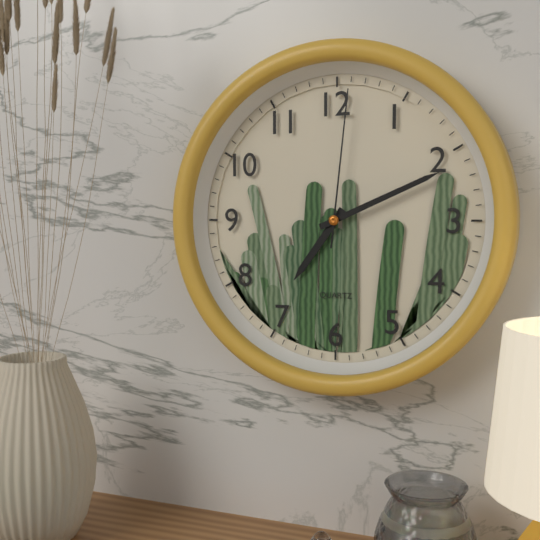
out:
{"hour": 7, "minute": 11, "second": 1}
